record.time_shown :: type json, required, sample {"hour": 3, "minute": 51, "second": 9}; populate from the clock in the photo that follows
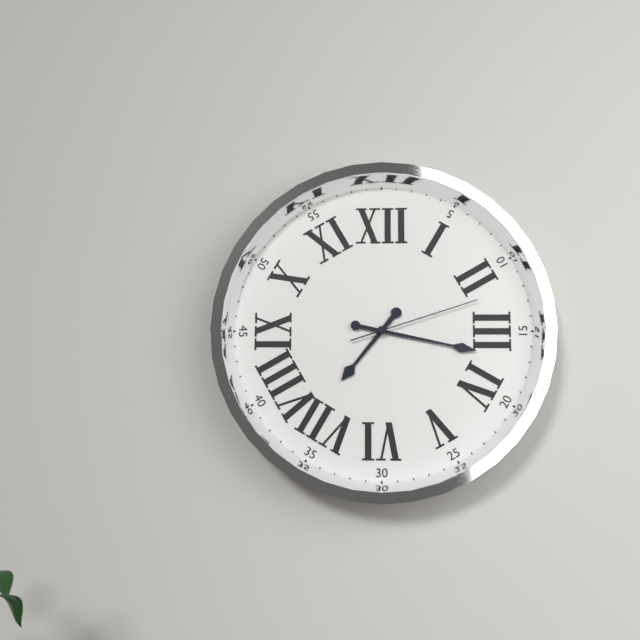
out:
{"hour": 7, "minute": 17, "second": 12}
